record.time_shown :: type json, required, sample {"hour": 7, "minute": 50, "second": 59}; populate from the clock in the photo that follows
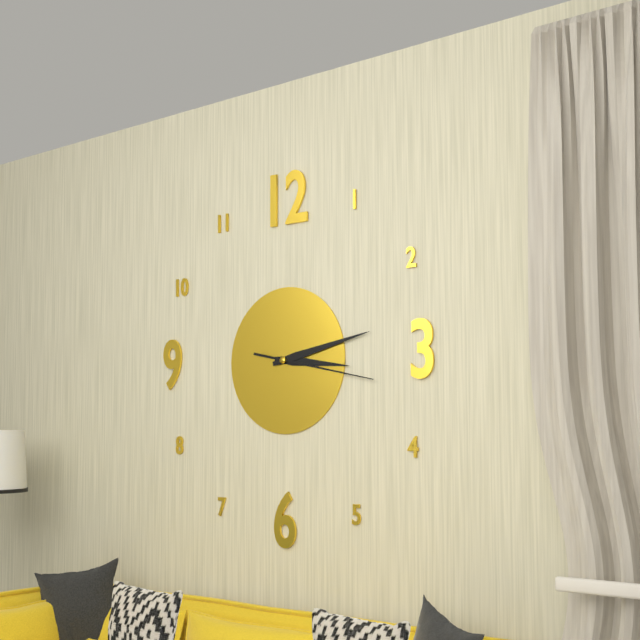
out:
{"hour": 3, "minute": 13, "second": 17}
